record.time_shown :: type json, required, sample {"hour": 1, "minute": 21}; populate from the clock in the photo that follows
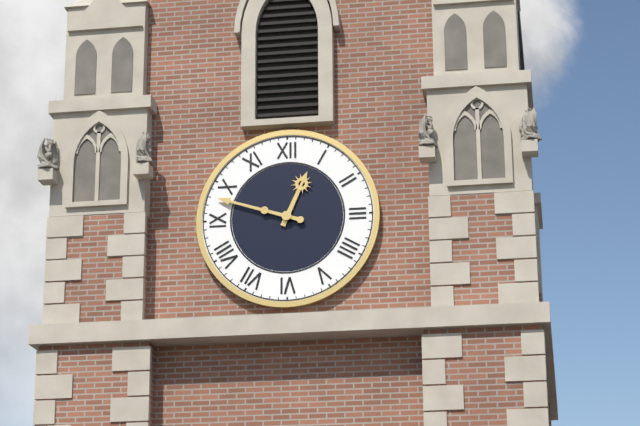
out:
{"hour": 12, "minute": 48}
